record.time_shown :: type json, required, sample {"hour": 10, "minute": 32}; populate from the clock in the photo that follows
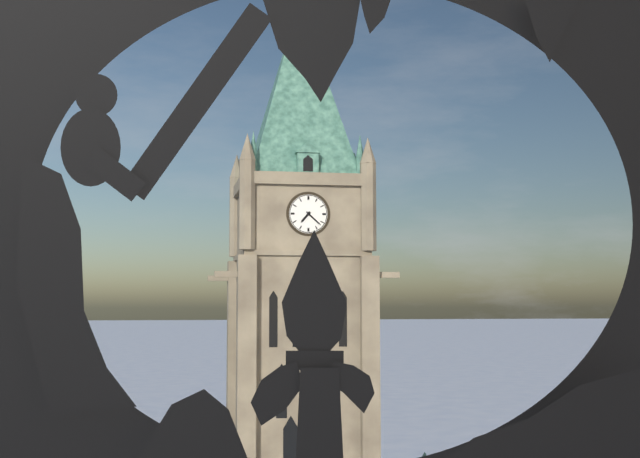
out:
{"hour": 7, "minute": 22}
